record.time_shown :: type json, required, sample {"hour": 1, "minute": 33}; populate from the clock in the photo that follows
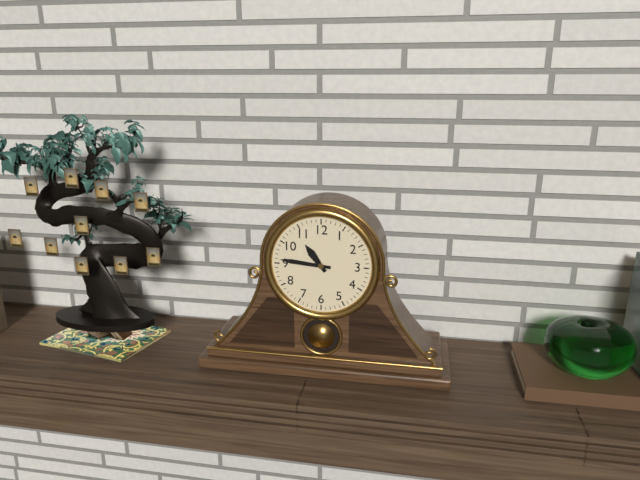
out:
{"hour": 10, "minute": 46}
